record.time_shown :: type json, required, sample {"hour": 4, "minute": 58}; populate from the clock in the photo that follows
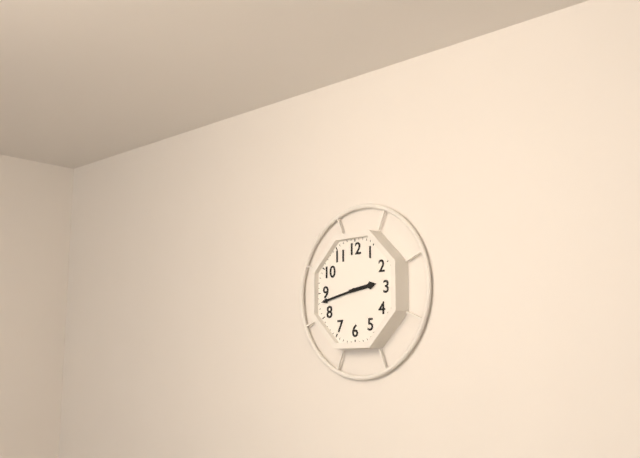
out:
{"hour": 2, "minute": 43}
